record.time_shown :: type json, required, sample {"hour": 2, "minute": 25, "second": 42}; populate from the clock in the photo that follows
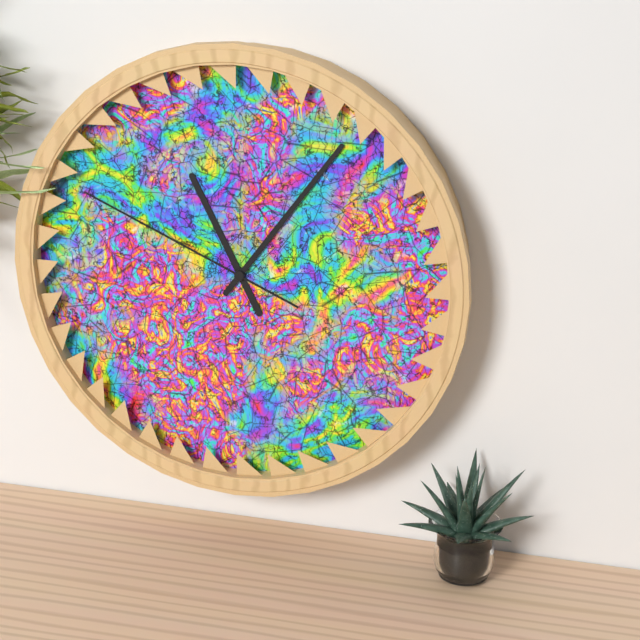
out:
{"hour": 11, "minute": 6, "second": 49}
